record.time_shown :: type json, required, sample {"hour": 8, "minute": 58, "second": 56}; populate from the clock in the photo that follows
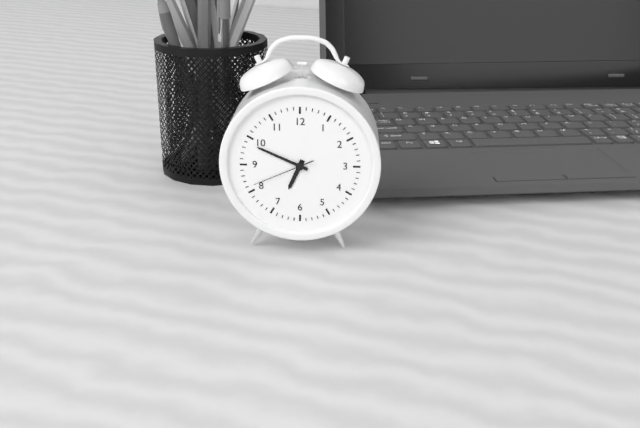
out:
{"hour": 6, "minute": 49, "second": 41}
